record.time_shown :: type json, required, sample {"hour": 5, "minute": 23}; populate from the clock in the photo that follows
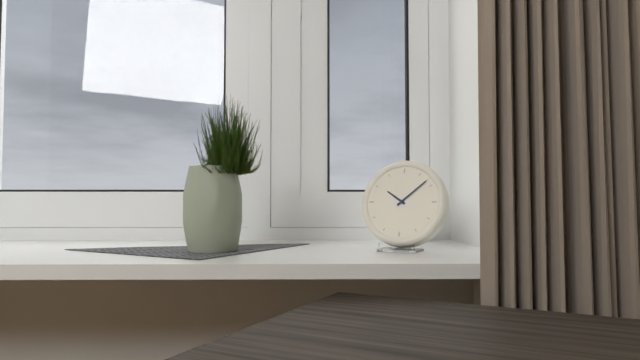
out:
{"hour": 10, "minute": 8}
